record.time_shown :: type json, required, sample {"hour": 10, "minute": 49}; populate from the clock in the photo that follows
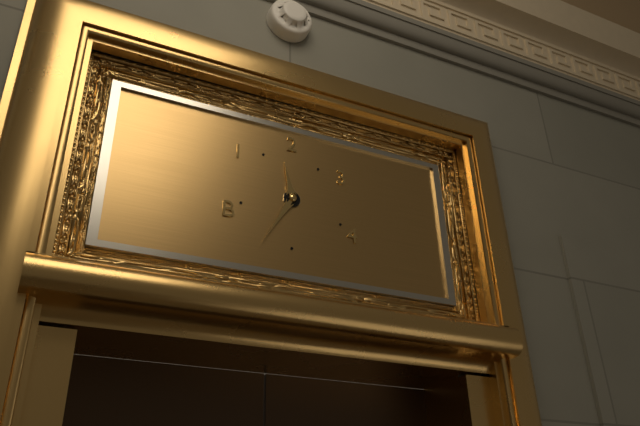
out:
{"hour": 11, "minute": 35}
